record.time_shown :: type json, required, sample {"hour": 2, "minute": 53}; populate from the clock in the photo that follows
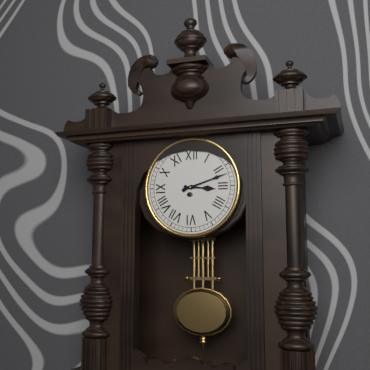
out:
{"hour": 3, "minute": 12}
